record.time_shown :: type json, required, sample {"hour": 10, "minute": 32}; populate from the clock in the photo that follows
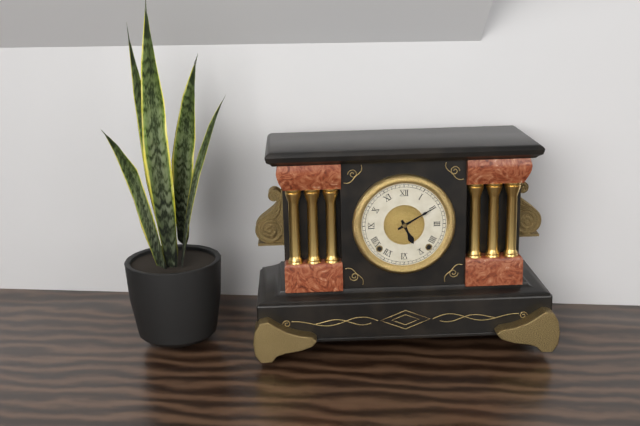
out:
{"hour": 5, "minute": 10}
